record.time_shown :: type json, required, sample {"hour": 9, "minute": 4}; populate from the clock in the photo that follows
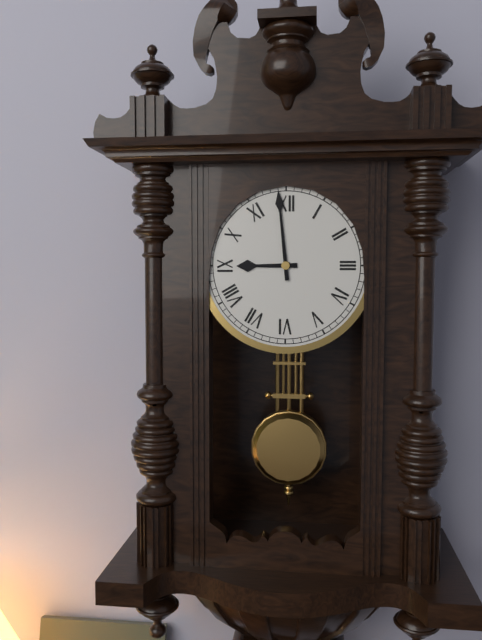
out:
{"hour": 8, "minute": 59}
